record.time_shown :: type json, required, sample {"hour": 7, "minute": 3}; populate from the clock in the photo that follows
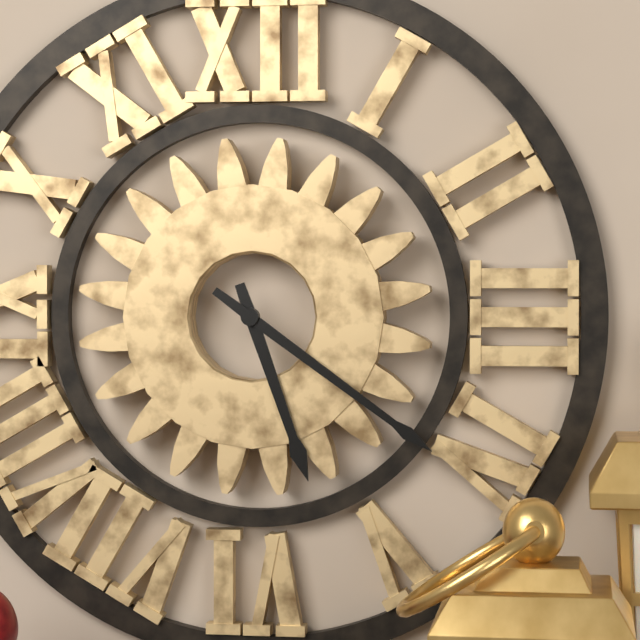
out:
{"hour": 5, "minute": 21}
